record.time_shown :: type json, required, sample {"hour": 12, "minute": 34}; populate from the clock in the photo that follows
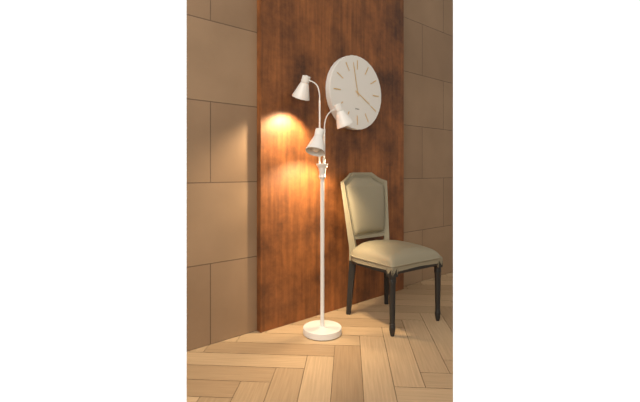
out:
{"hour": 3, "minute": 58}
